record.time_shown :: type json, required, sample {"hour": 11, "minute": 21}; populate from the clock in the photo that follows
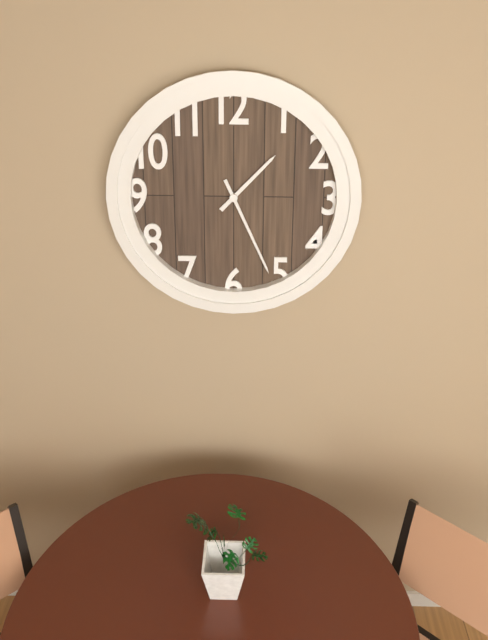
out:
{"hour": 1, "minute": 26}
